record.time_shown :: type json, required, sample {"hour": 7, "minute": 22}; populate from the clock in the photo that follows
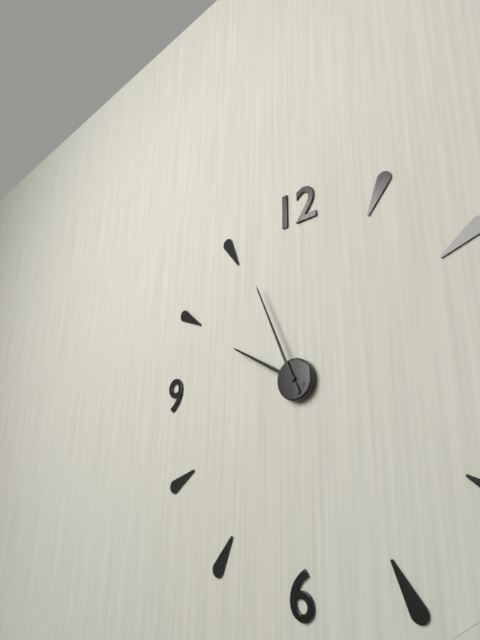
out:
{"hour": 9, "minute": 56}
